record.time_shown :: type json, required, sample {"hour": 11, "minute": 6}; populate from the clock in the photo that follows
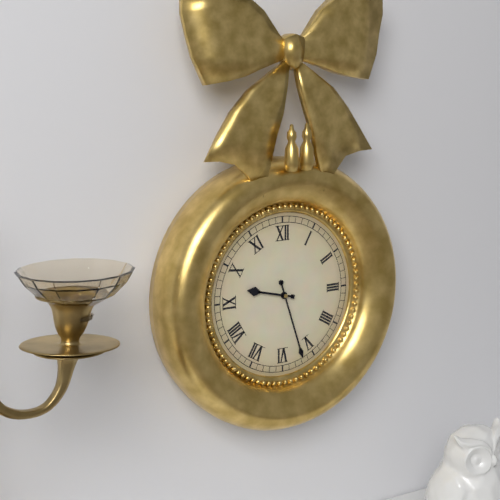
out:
{"hour": 9, "minute": 27}
